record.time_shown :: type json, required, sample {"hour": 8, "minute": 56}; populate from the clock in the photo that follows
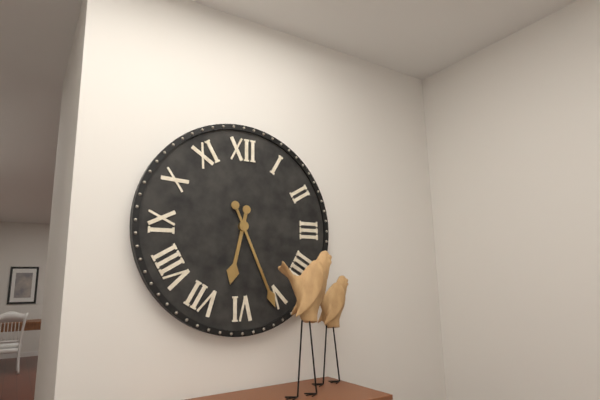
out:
{"hour": 6, "minute": 26}
